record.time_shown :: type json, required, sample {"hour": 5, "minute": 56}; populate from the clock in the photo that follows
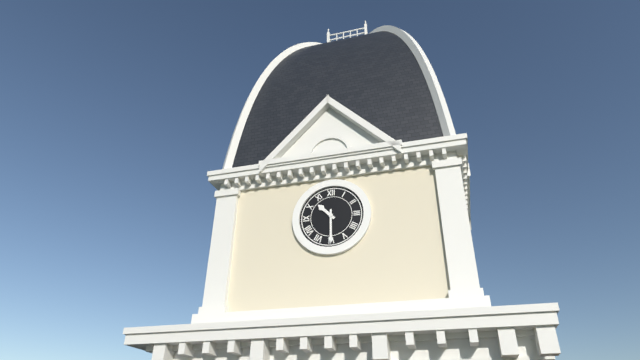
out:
{"hour": 10, "minute": 30}
